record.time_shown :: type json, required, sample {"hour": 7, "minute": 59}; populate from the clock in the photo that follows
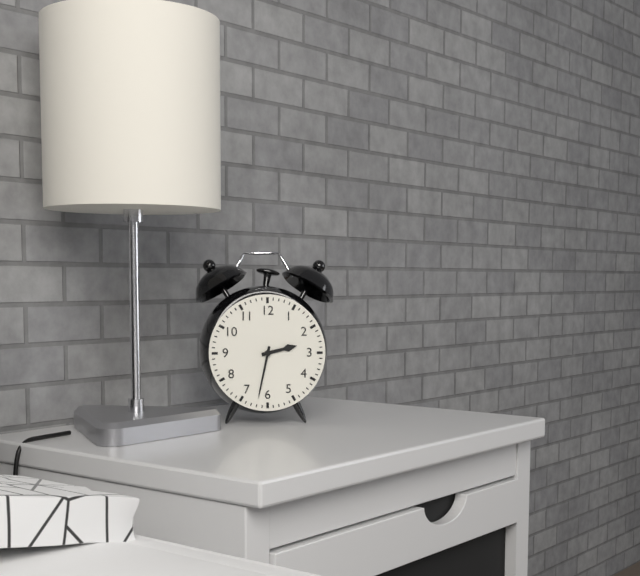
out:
{"hour": 2, "minute": 32}
